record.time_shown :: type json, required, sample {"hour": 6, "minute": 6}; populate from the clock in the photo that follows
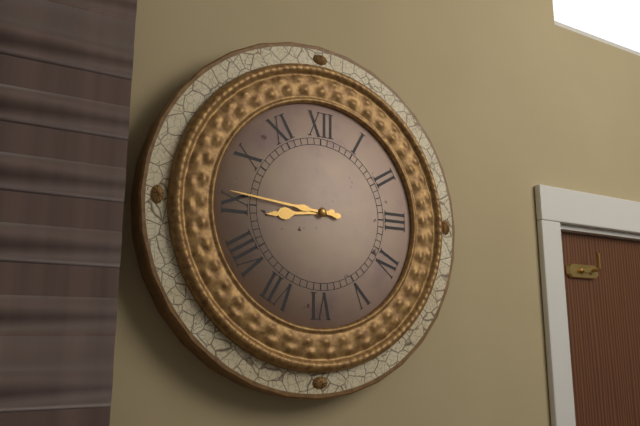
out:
{"hour": 8, "minute": 46}
